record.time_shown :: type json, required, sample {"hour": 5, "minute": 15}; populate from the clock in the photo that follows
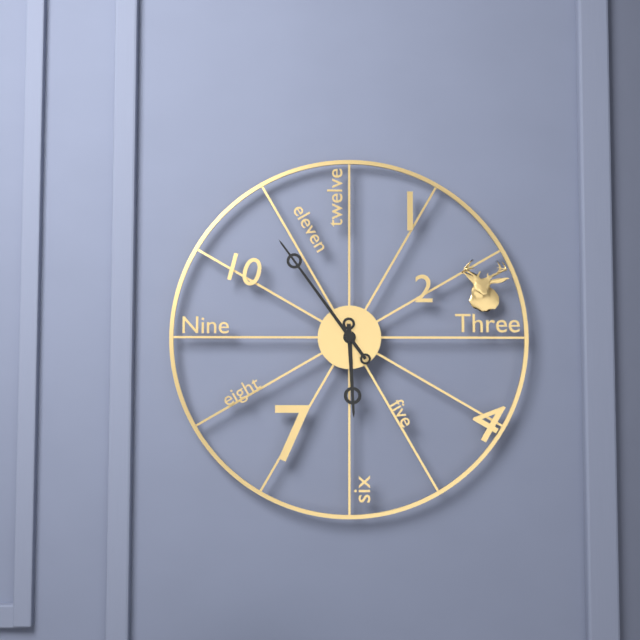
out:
{"hour": 5, "minute": 54}
